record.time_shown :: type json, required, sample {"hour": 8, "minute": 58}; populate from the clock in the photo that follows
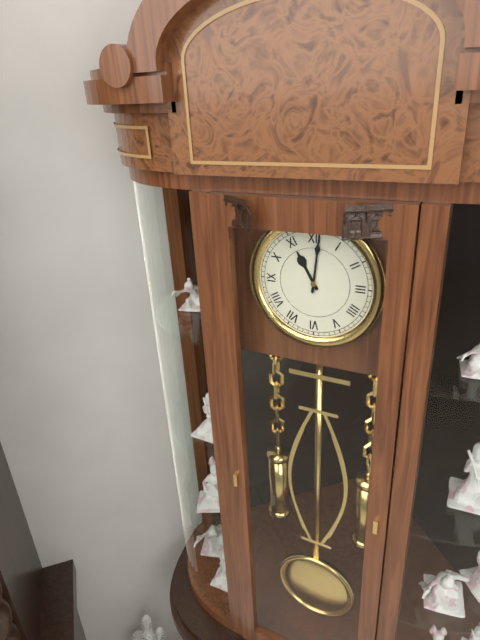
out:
{"hour": 11, "minute": 1}
